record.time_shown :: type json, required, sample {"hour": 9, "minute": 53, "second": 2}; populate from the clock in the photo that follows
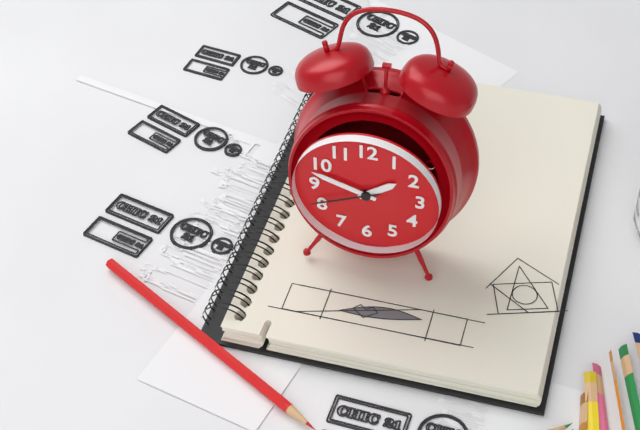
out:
{"hour": 1, "minute": 48, "second": 41}
